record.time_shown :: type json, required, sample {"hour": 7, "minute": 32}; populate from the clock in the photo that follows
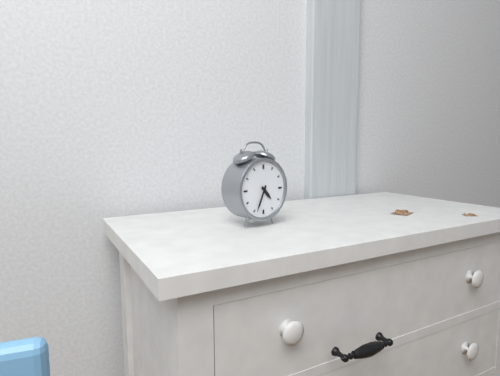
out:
{"hour": 4, "minute": 34}
